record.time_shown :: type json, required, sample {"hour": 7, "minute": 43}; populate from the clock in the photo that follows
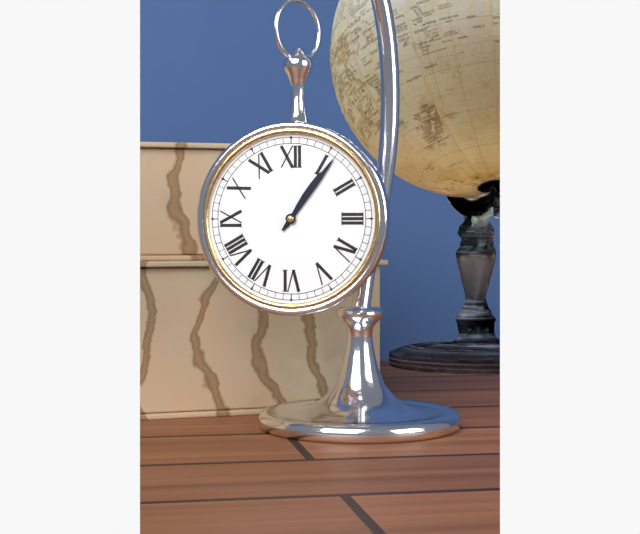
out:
{"hour": 1, "minute": 6}
